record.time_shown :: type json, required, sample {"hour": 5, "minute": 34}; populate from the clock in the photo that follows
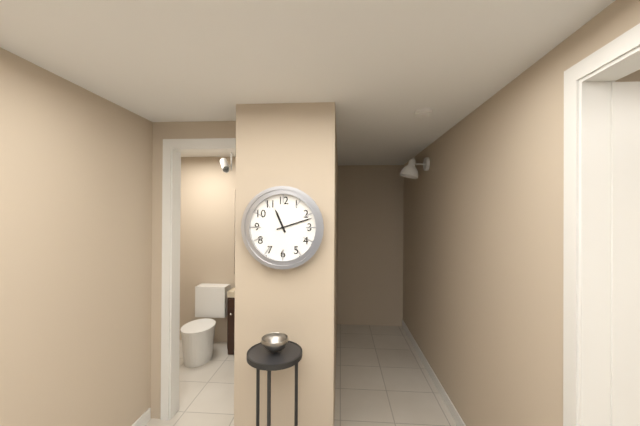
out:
{"hour": 11, "minute": 12}
